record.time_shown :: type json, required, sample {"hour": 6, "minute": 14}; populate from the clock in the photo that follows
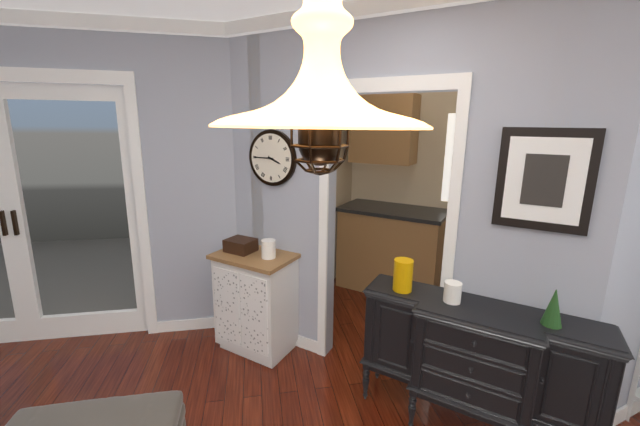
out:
{"hour": 3, "minute": 45}
